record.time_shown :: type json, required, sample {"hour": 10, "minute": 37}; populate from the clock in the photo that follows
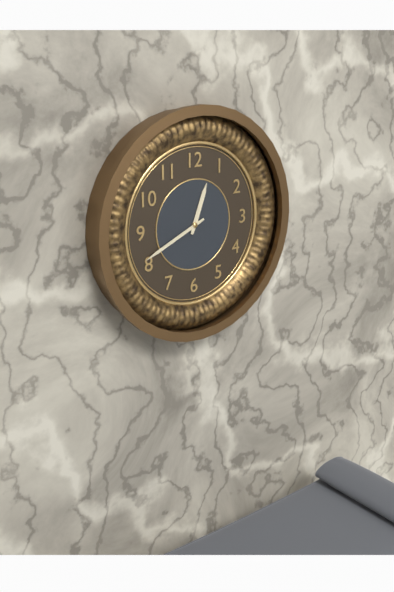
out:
{"hour": 12, "minute": 41}
